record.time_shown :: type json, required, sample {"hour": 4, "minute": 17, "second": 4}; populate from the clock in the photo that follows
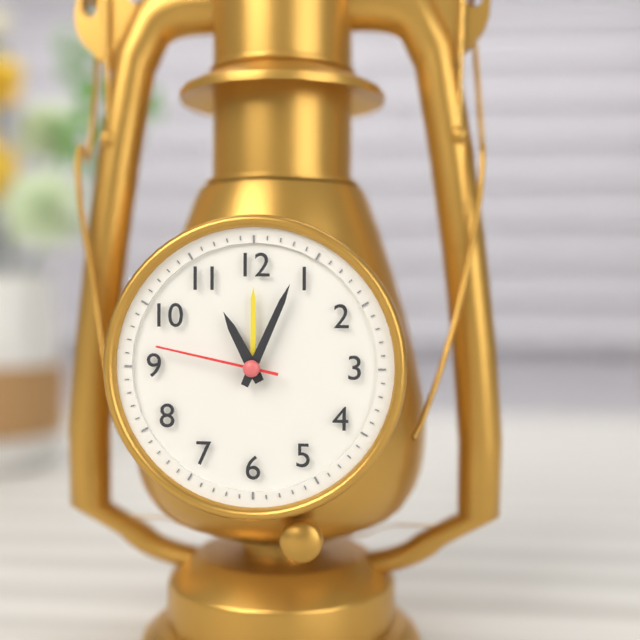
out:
{"hour": 11, "minute": 4, "second": 47}
